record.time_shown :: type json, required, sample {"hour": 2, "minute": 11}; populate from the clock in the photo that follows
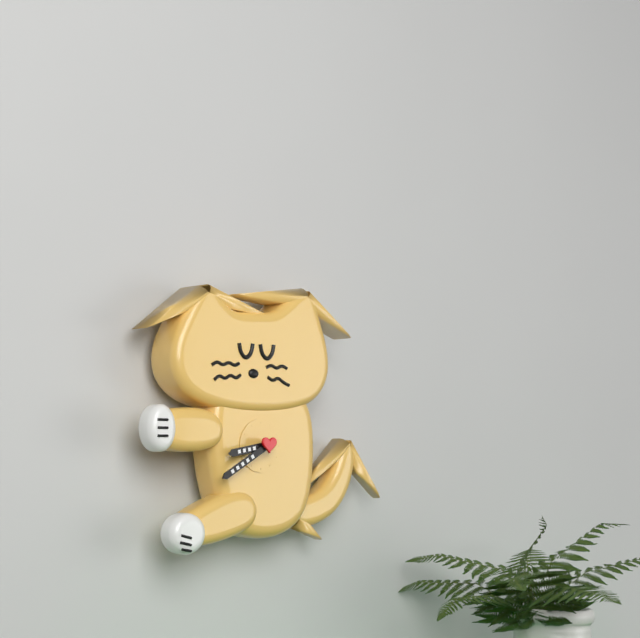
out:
{"hour": 8, "minute": 40}
